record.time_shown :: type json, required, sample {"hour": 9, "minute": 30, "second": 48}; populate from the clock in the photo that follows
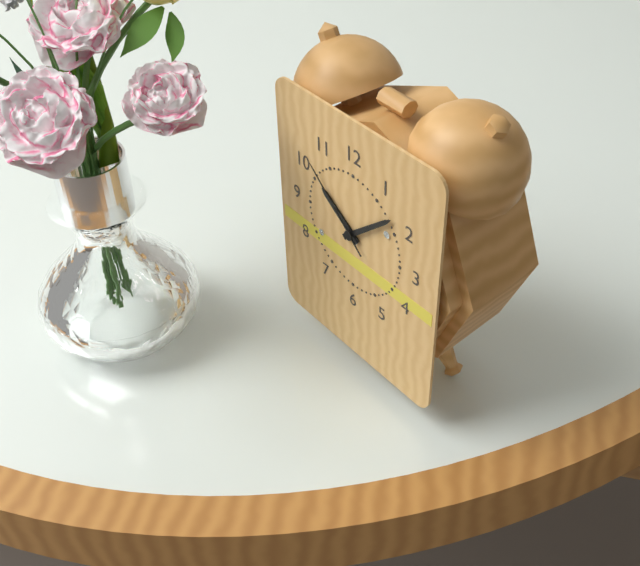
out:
{"hour": 10, "minute": 8, "second": 52}
